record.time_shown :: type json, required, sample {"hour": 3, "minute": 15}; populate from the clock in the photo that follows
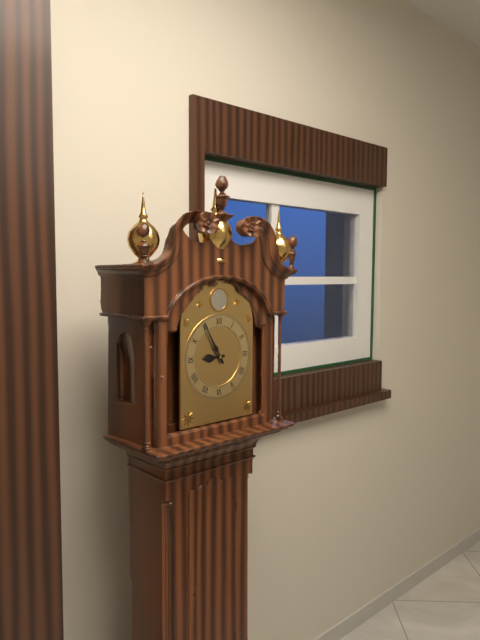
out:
{"hour": 8, "minute": 55}
